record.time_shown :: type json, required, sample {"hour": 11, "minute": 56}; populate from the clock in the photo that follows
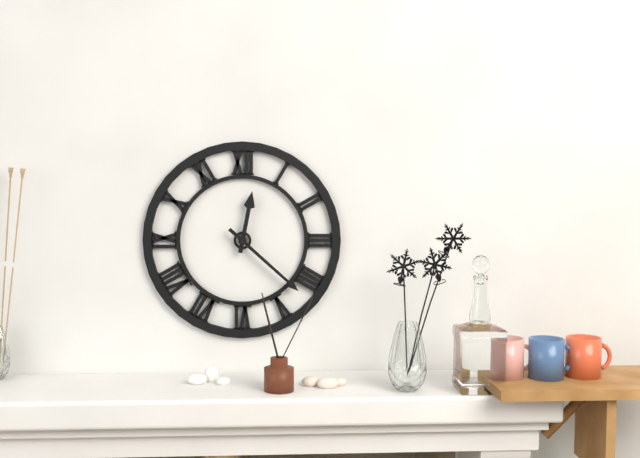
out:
{"hour": 12, "minute": 22}
